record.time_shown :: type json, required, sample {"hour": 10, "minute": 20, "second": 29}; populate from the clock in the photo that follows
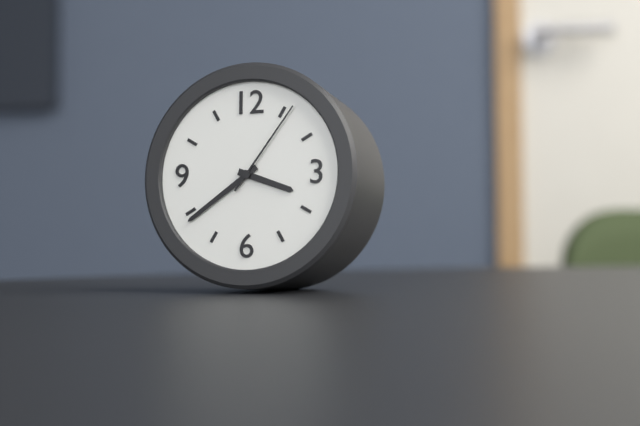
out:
{"hour": 3, "minute": 39, "second": 6}
